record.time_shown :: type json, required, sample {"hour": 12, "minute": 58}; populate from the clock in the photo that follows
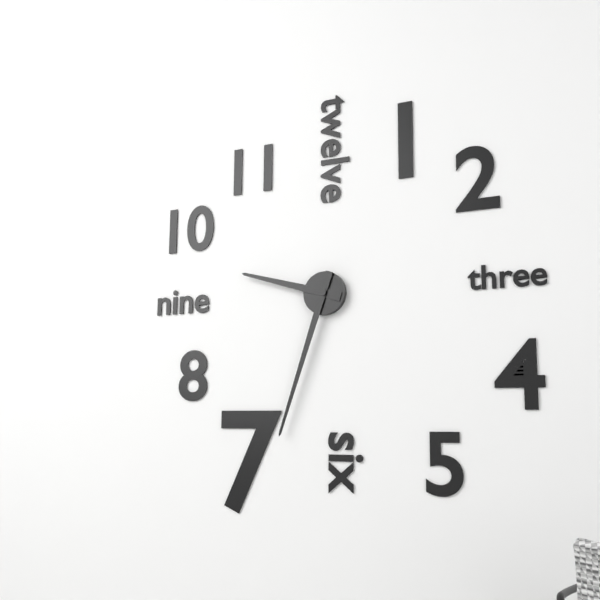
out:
{"hour": 9, "minute": 33}
